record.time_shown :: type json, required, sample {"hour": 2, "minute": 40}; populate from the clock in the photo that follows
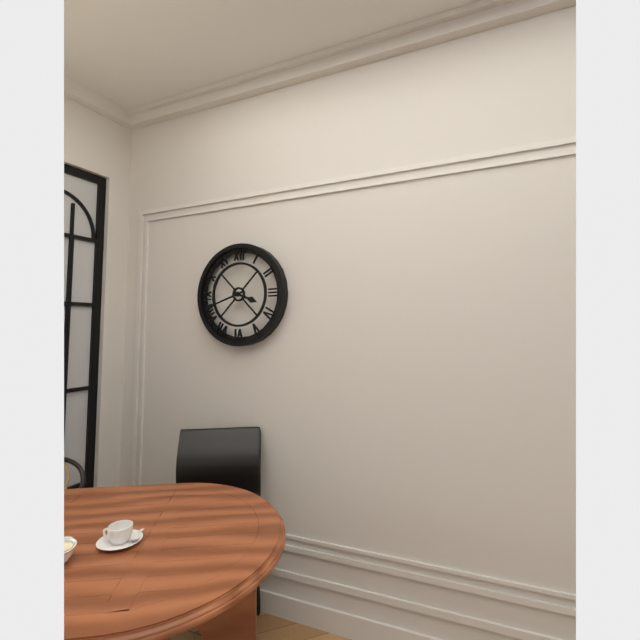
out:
{"hour": 3, "minute": 42}
